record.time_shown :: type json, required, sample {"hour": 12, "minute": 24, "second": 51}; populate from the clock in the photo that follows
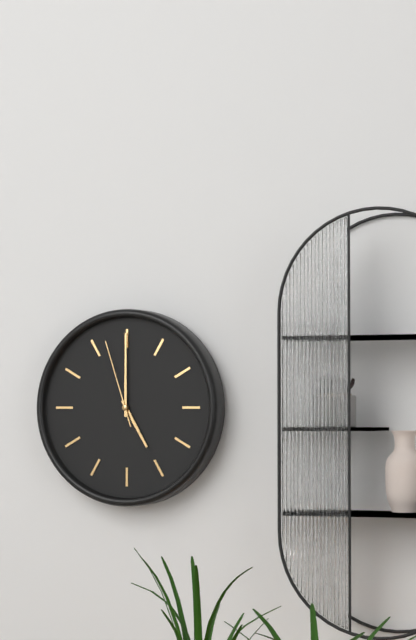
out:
{"hour": 5, "minute": 0, "second": 57}
